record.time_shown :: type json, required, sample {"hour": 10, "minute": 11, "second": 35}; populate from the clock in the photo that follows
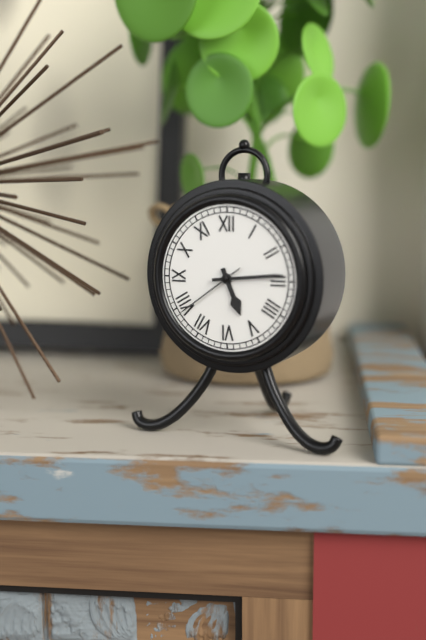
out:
{"hour": 5, "minute": 14, "second": 39}
